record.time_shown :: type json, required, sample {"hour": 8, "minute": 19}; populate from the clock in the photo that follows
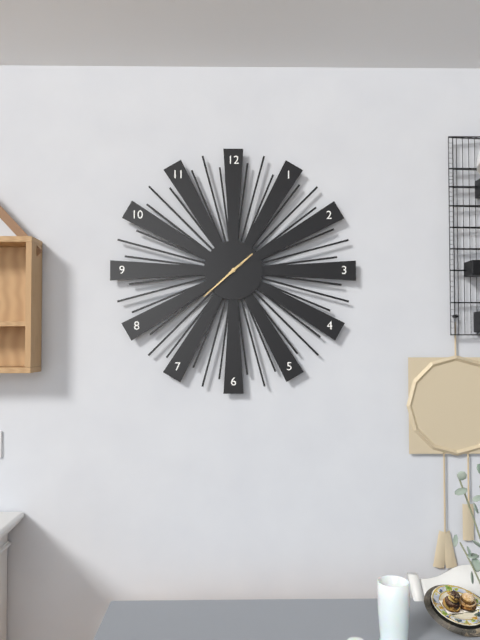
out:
{"hour": 1, "minute": 38}
